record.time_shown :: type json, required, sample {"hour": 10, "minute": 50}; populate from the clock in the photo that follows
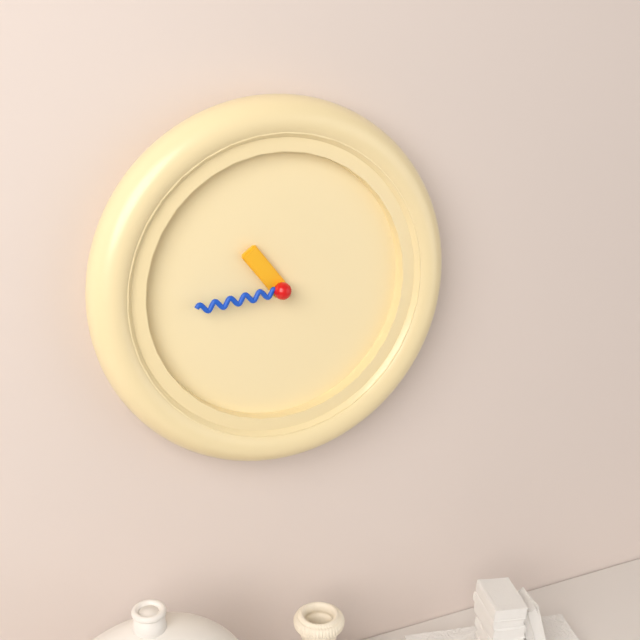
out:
{"hour": 10, "minute": 44}
